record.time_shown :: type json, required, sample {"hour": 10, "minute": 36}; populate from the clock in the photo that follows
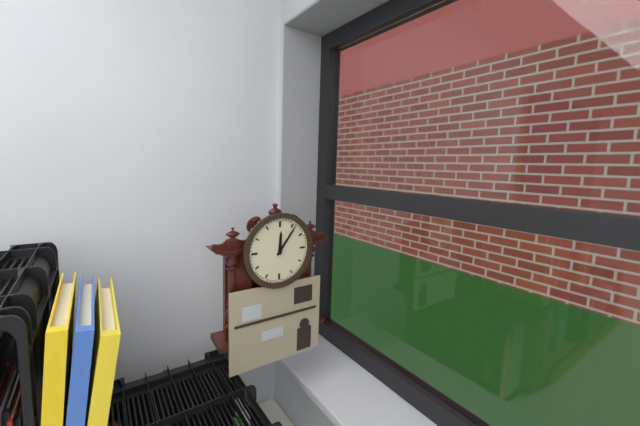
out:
{"hour": 12, "minute": 6}
